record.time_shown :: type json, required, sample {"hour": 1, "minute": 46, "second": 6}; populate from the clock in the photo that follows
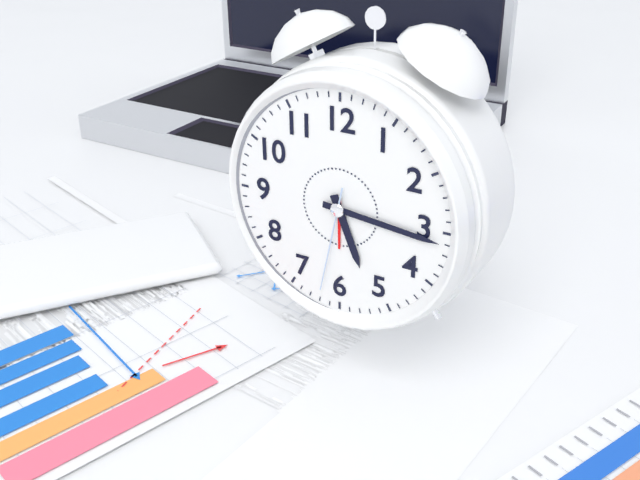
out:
{"hour": 5, "minute": 16, "second": 32}
